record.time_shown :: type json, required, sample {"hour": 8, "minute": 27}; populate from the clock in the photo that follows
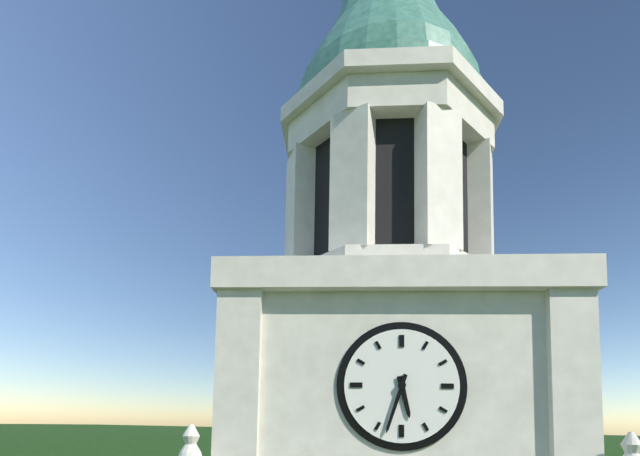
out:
{"hour": 5, "minute": 33}
